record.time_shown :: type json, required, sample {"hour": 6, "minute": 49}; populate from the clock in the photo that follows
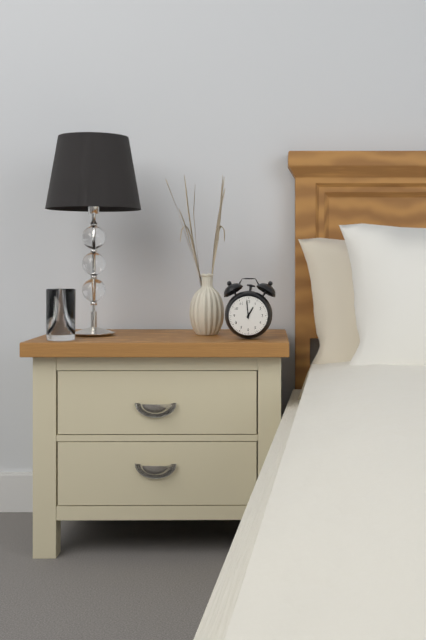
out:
{"hour": 12, "minute": 59}
